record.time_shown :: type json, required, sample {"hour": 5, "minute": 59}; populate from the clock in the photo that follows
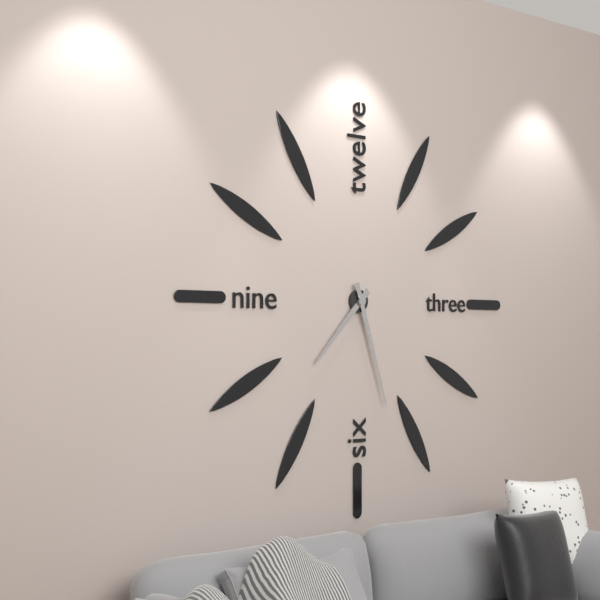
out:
{"hour": 7, "minute": 27}
